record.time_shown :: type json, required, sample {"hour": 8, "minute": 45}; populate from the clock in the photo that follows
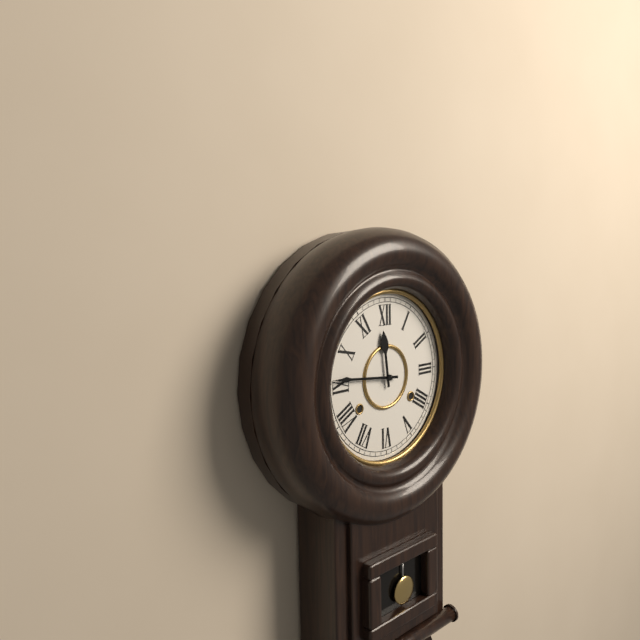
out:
{"hour": 11, "minute": 46}
